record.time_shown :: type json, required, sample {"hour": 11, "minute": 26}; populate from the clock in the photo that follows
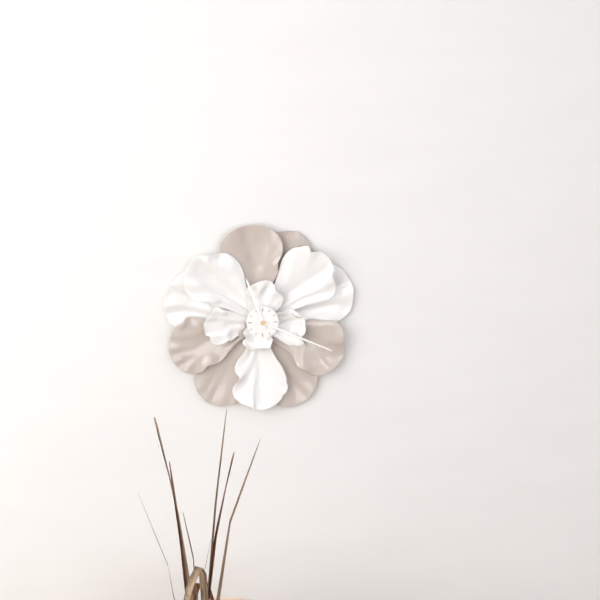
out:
{"hour": 11, "minute": 19}
